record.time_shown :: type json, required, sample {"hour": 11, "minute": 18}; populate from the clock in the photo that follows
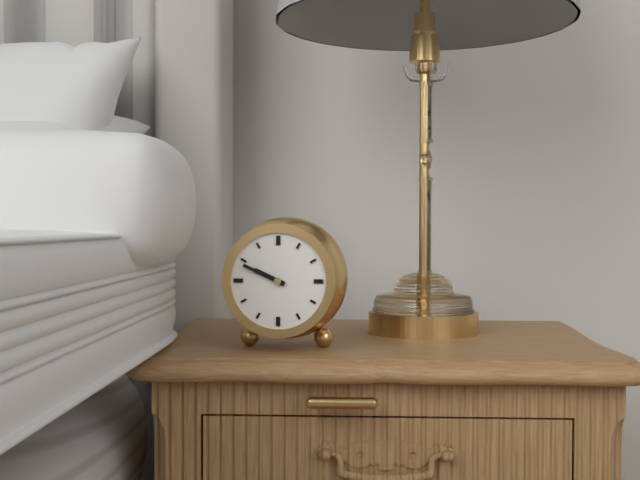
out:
{"hour": 9, "minute": 49}
